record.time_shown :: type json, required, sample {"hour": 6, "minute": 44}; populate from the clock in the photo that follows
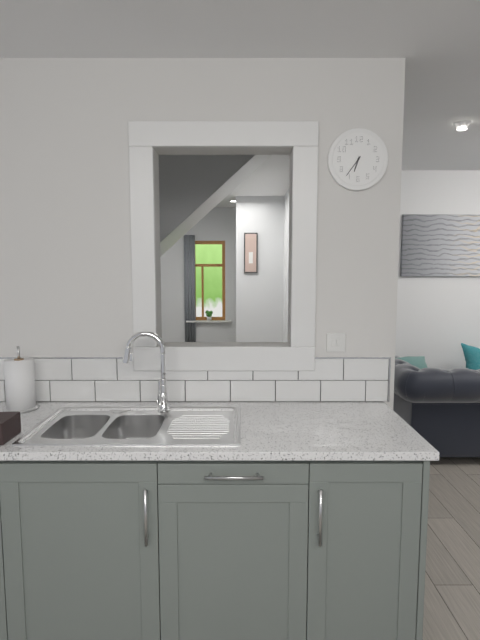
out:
{"hour": 6, "minute": 36}
